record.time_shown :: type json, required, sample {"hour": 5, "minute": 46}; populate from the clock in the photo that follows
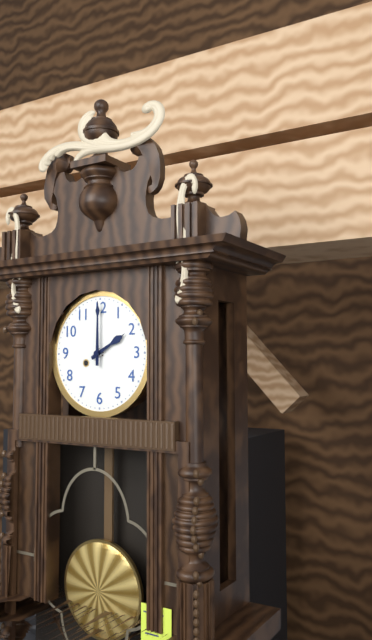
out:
{"hour": 2, "minute": 0}
